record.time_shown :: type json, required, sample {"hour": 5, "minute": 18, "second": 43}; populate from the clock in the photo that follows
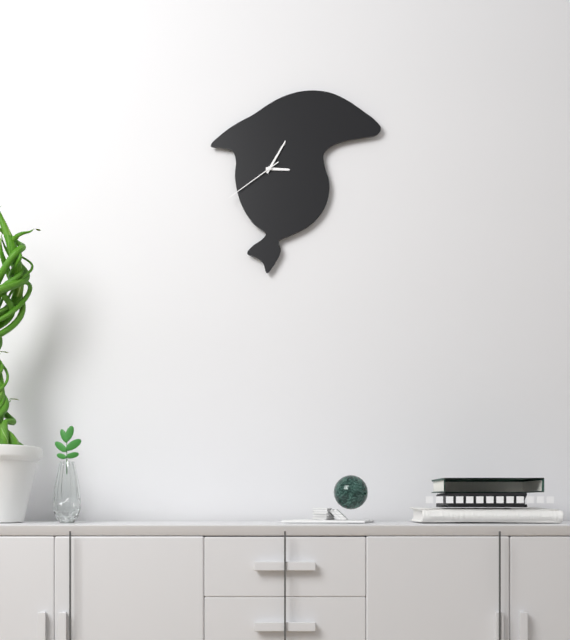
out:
{"hour": 3, "minute": 5, "second": 39}
